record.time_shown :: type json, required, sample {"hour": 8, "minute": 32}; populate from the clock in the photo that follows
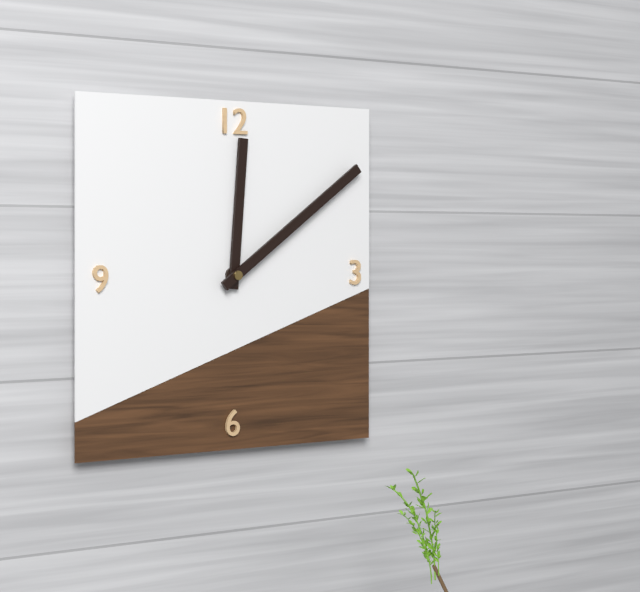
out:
{"hour": 12, "minute": 9}
